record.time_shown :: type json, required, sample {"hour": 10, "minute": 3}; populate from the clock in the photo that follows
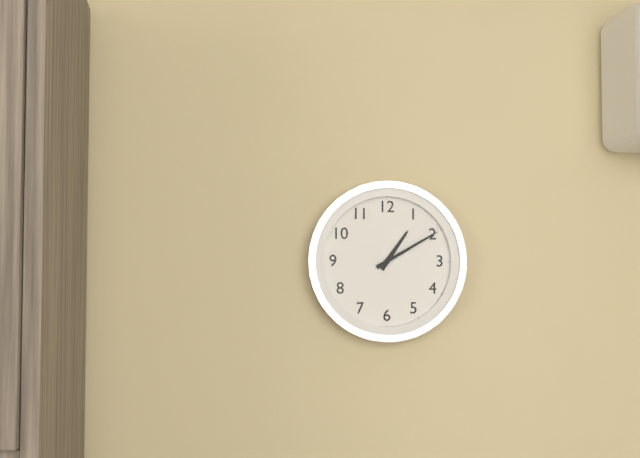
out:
{"hour": 1, "minute": 10}
